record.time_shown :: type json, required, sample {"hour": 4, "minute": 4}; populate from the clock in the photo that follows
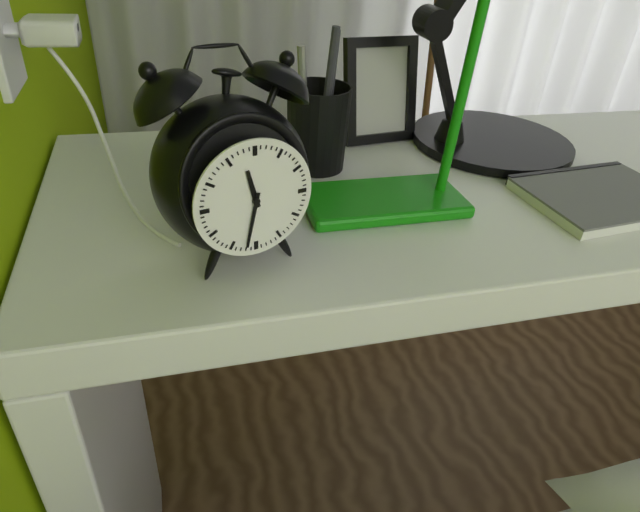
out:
{"hour": 11, "minute": 32}
